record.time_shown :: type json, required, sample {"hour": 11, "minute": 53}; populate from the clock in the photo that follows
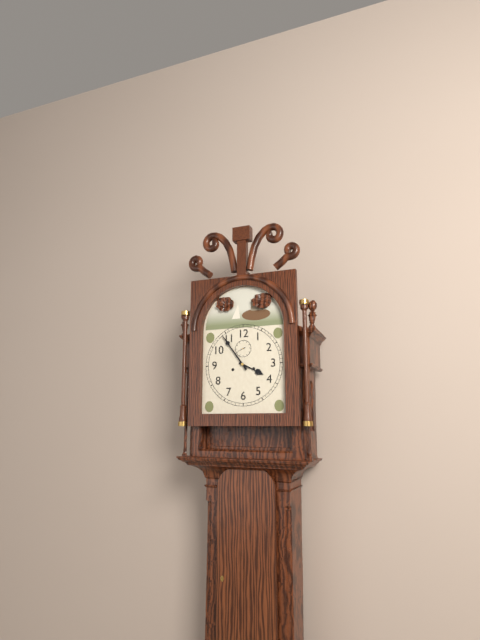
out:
{"hour": 3, "minute": 54}
